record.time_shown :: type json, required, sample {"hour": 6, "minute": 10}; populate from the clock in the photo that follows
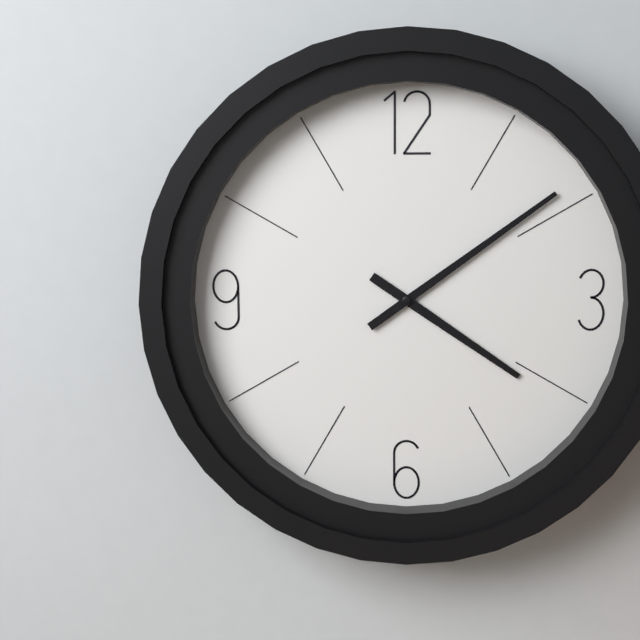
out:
{"hour": 4, "minute": 9}
